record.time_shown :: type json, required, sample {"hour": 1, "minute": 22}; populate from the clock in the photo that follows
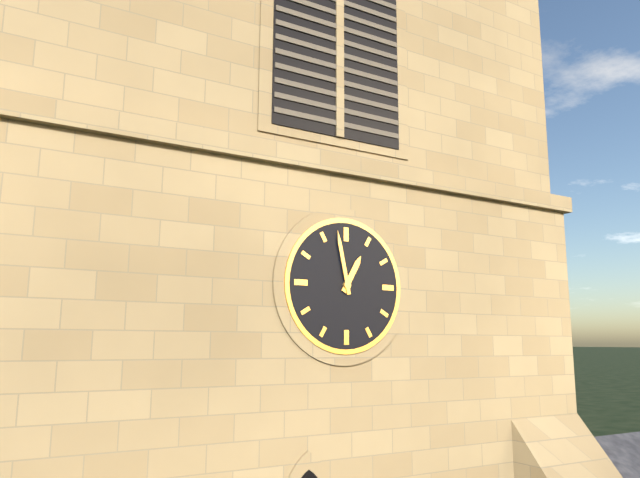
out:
{"hour": 12, "minute": 58}
